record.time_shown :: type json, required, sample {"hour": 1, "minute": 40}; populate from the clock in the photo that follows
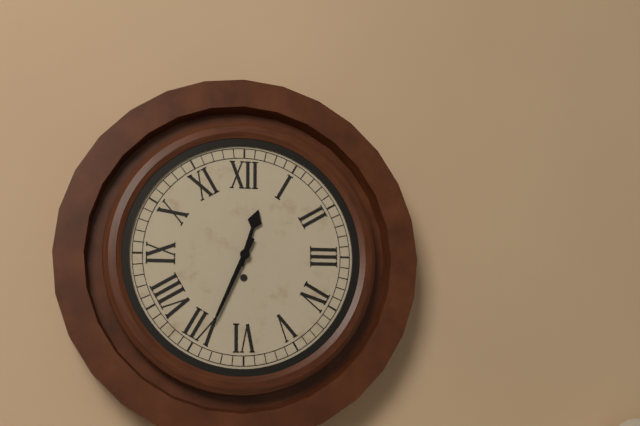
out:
{"hour": 12, "minute": 34}
